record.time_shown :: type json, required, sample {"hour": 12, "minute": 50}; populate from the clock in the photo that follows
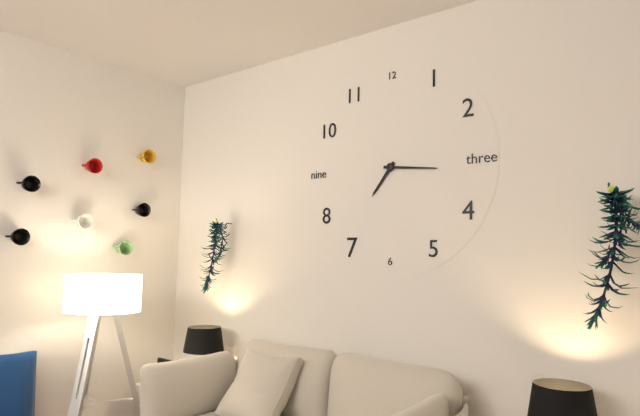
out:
{"hour": 7, "minute": 16}
